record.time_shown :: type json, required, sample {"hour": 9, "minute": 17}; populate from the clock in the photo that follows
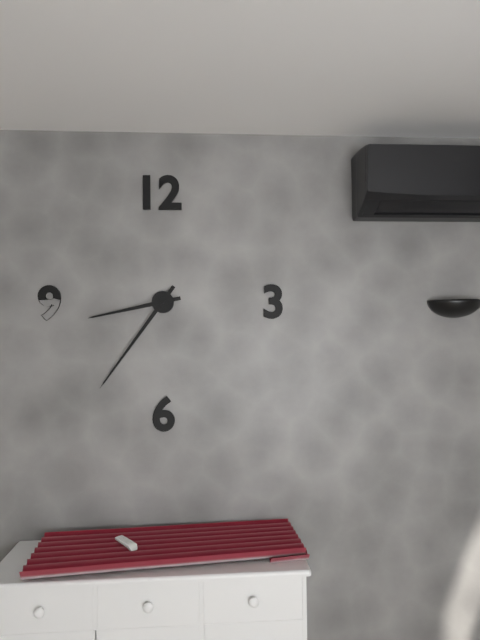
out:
{"hour": 8, "minute": 36}
